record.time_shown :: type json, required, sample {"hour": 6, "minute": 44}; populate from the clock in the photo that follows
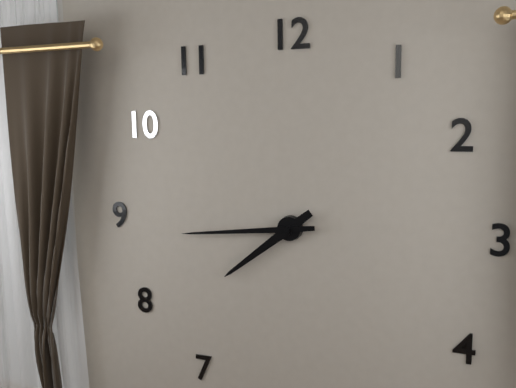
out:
{"hour": 7, "minute": 44}
